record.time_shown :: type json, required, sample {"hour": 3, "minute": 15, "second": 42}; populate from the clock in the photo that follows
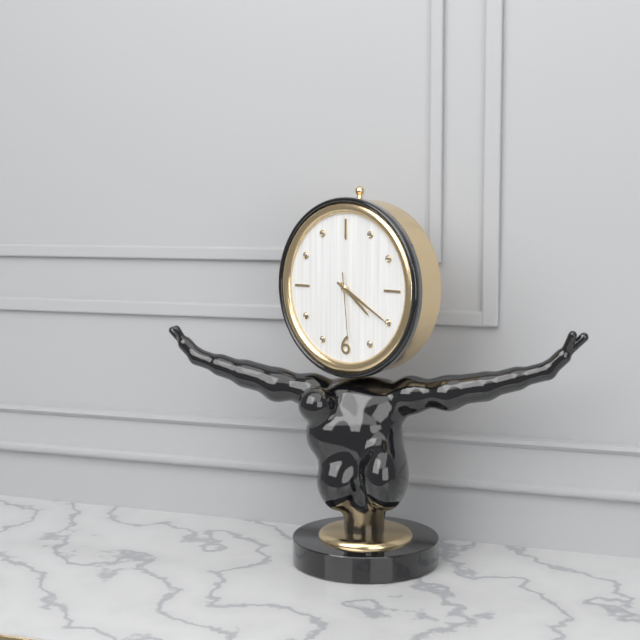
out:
{"hour": 4, "minute": 20, "second": 29}
